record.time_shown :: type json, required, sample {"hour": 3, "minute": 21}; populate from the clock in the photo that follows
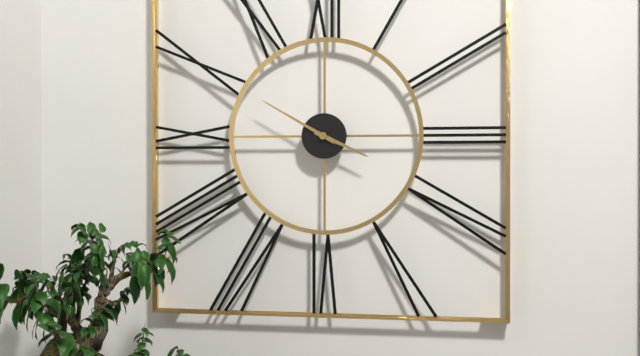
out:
{"hour": 3, "minute": 50}
